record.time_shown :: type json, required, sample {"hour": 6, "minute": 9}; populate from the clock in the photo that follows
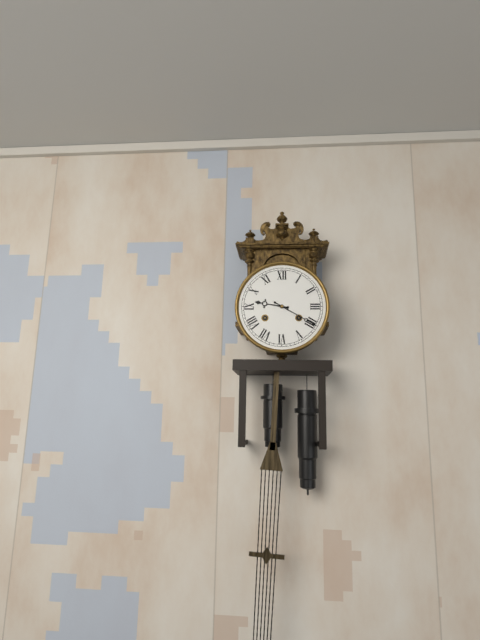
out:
{"hour": 9, "minute": 20}
